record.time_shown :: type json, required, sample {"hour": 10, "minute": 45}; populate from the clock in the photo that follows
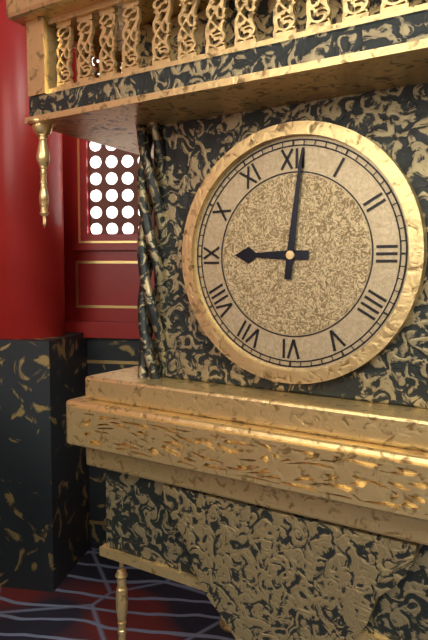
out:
{"hour": 9, "minute": 1}
